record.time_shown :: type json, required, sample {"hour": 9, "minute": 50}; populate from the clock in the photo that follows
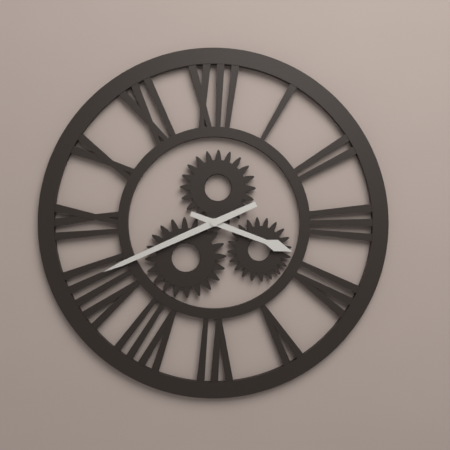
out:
{"hour": 3, "minute": 41}
